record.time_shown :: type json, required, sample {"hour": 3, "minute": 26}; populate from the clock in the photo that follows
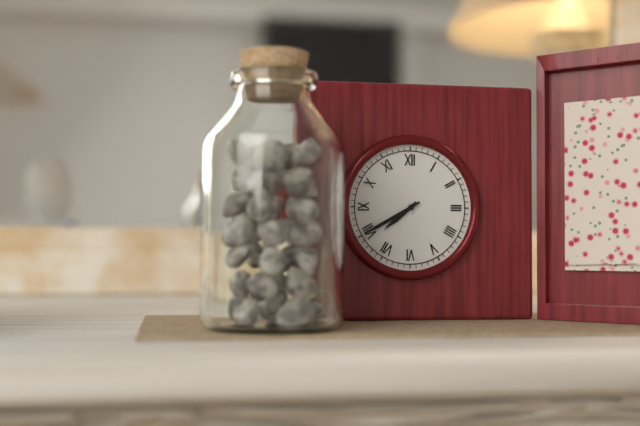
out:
{"hour": 7, "minute": 40}
